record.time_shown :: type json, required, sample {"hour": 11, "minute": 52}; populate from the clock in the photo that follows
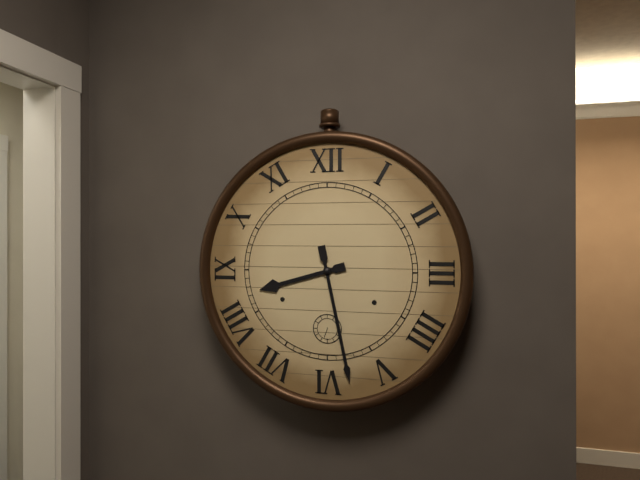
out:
{"hour": 8, "minute": 28}
